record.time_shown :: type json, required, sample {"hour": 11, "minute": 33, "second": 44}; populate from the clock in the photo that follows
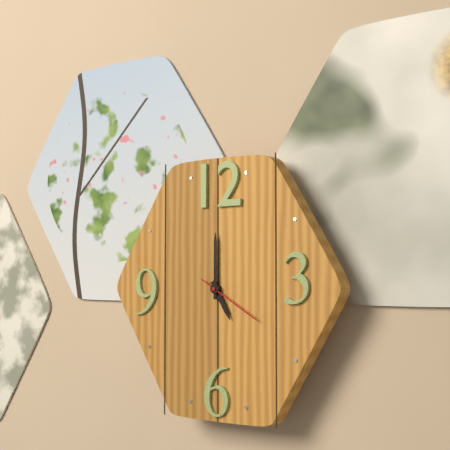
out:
{"hour": 5, "minute": 0, "second": 20}
